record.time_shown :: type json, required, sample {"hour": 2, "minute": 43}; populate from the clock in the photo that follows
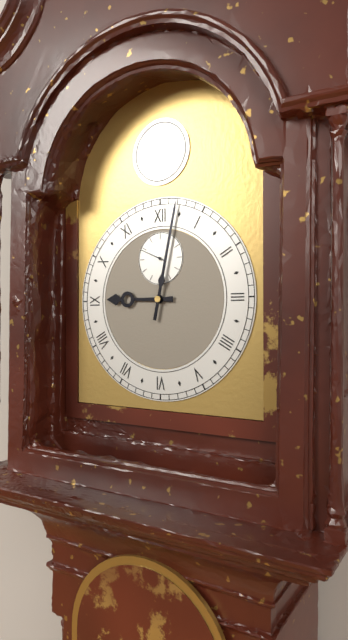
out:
{"hour": 9, "minute": 2}
